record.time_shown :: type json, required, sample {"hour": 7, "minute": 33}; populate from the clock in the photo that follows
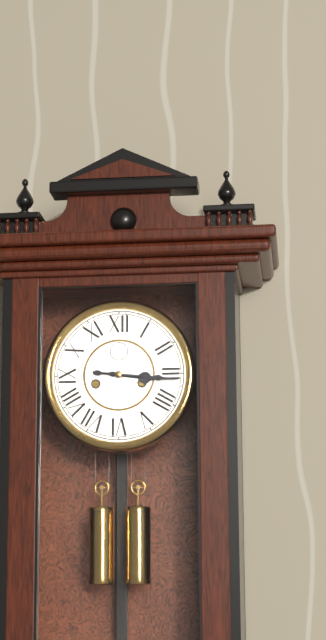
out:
{"hour": 3, "minute": 16}
